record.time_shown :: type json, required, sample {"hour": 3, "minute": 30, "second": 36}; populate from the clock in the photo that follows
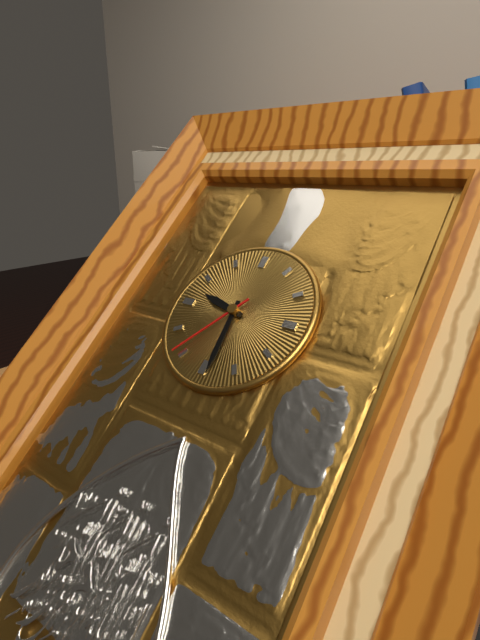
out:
{"hour": 9, "minute": 29, "second": 36}
